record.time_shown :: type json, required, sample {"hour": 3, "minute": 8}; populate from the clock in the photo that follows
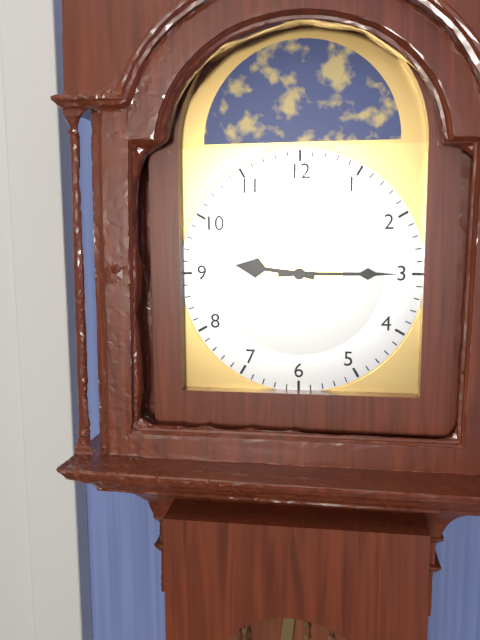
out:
{"hour": 9, "minute": 15}
